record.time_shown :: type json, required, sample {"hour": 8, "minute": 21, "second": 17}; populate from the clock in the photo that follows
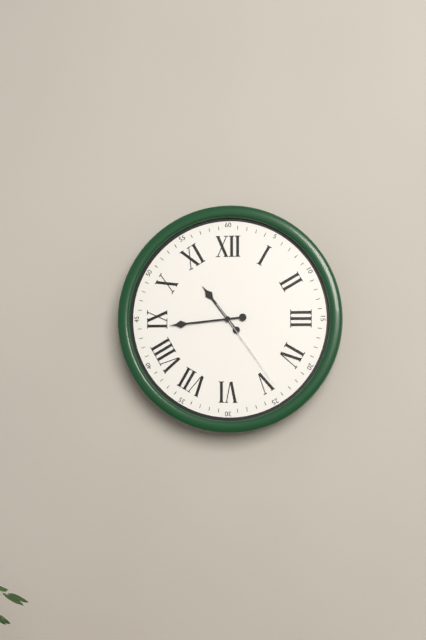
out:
{"hour": 10, "minute": 44, "second": 24}
